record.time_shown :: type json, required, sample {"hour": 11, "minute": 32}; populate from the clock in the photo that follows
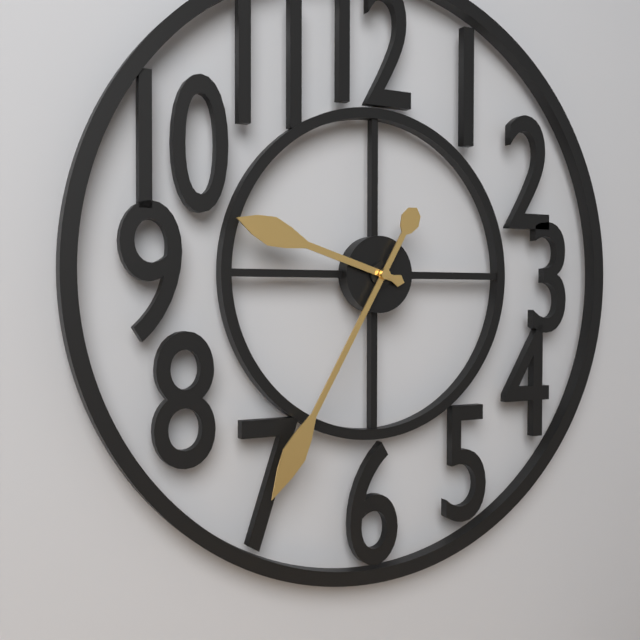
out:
{"hour": 9, "minute": 35}
